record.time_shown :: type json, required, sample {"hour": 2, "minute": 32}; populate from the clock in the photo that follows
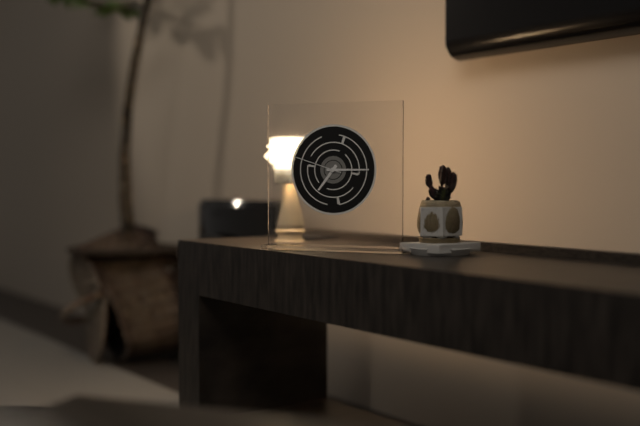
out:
{"hour": 7, "minute": 15}
